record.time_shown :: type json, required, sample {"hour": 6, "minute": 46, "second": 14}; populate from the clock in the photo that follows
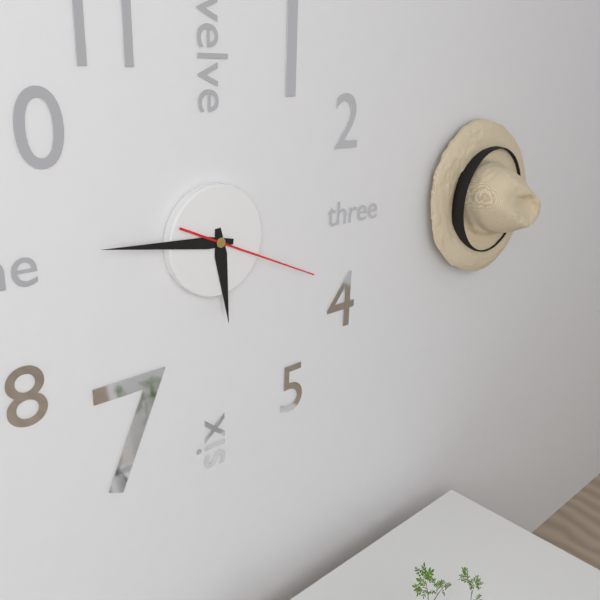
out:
{"hour": 5, "minute": 46, "second": 19}
